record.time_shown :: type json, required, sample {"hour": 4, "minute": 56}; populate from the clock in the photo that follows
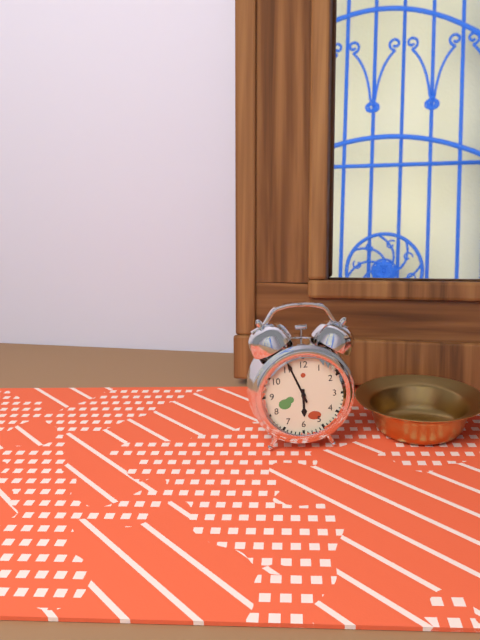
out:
{"hour": 5, "minute": 56}
